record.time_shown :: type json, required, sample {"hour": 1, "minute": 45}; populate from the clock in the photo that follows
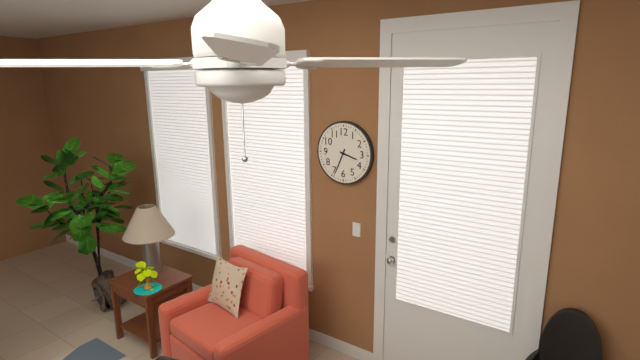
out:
{"hour": 3, "minute": 34}
